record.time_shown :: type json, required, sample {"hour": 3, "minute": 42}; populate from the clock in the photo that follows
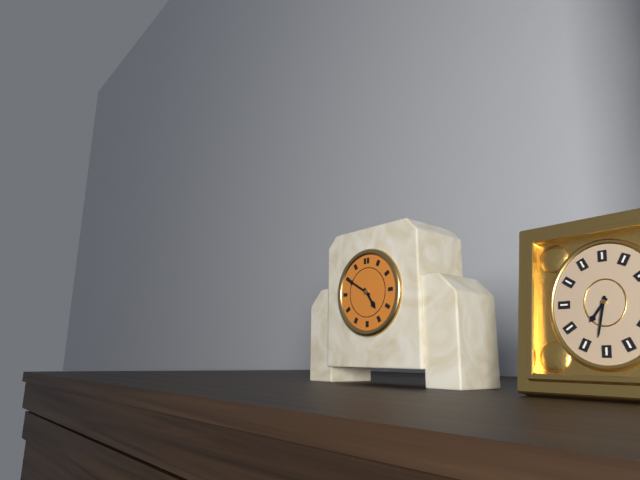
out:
{"hour": 4, "minute": 50}
